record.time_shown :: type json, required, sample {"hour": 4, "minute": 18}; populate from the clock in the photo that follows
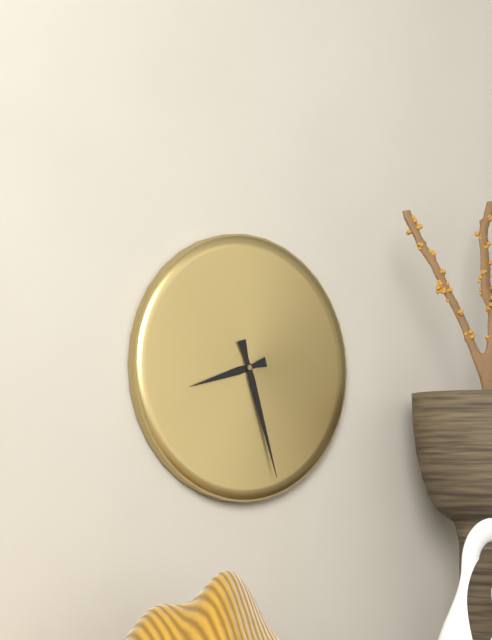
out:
{"hour": 8, "minute": 27}
